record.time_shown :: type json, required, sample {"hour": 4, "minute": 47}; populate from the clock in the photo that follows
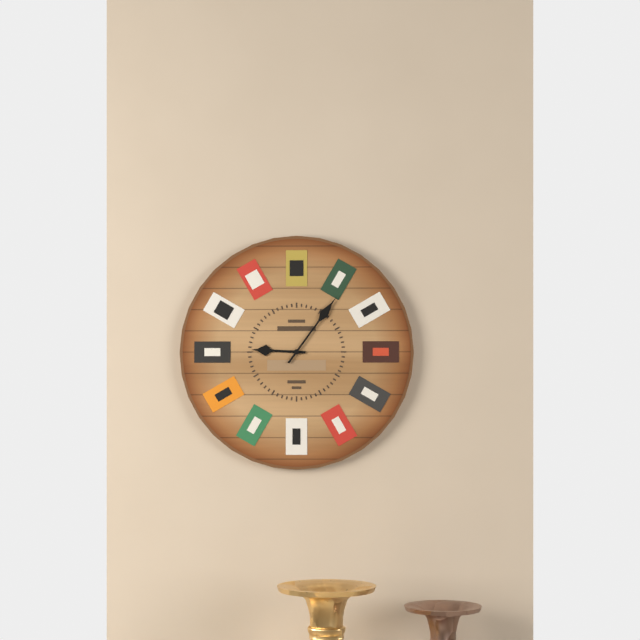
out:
{"hour": 9, "minute": 6}
